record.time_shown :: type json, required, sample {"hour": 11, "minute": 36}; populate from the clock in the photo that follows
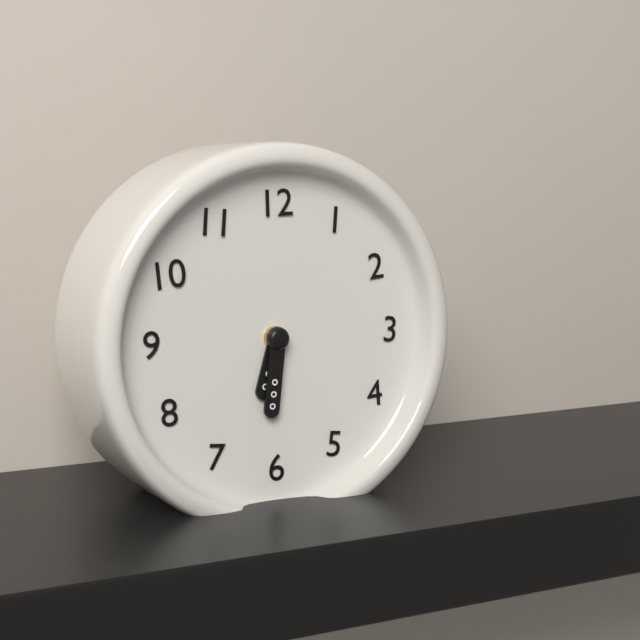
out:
{"hour": 6, "minute": 31}
